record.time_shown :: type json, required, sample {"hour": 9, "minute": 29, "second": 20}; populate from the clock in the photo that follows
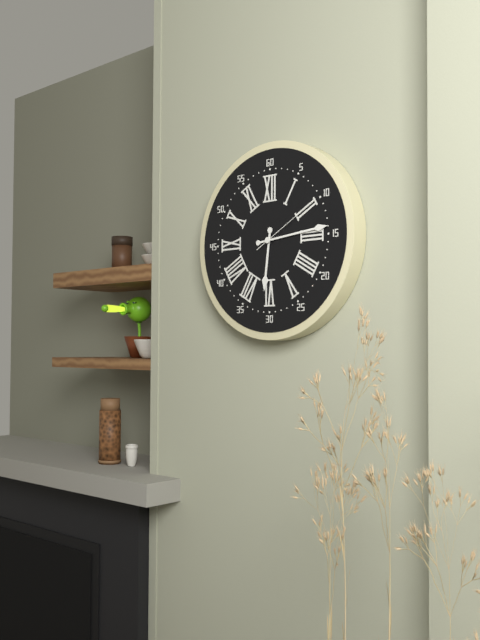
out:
{"hour": 6, "minute": 14, "second": 10}
